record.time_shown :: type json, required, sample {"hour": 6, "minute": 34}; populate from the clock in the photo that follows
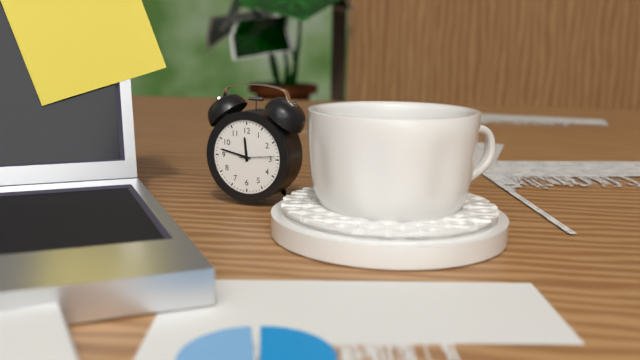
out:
{"hour": 11, "minute": 47}
